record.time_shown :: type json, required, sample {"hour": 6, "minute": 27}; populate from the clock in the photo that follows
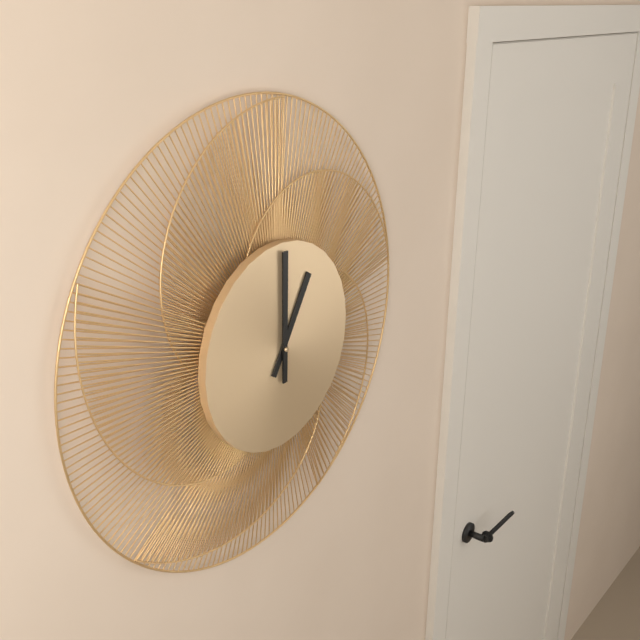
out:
{"hour": 1, "minute": 0}
